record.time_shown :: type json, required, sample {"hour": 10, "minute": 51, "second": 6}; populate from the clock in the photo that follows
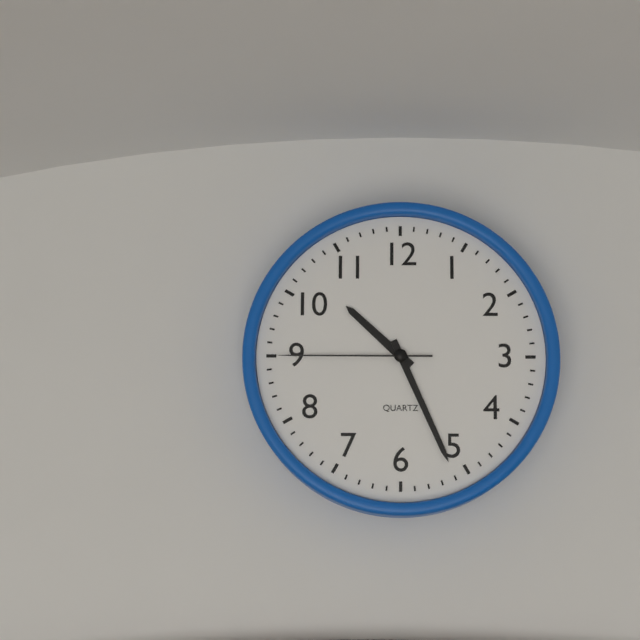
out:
{"hour": 10, "minute": 26, "second": 45}
